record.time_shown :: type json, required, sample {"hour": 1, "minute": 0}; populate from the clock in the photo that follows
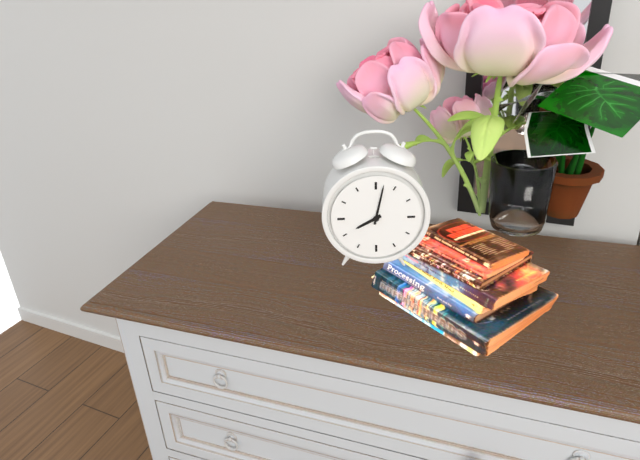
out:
{"hour": 8, "minute": 2}
